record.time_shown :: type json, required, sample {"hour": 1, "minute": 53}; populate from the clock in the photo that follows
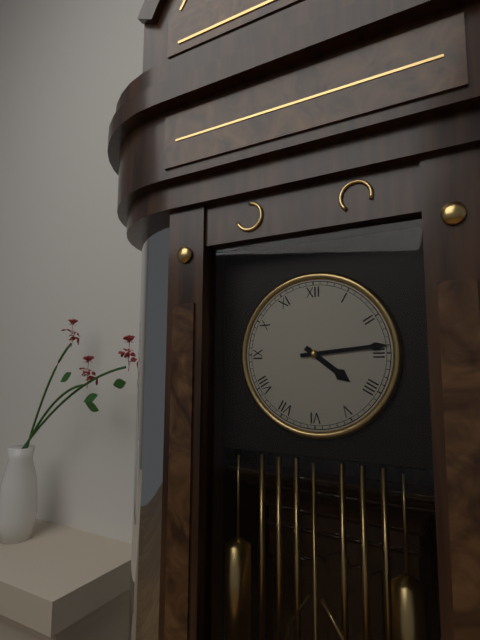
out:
{"hour": 4, "minute": 14}
